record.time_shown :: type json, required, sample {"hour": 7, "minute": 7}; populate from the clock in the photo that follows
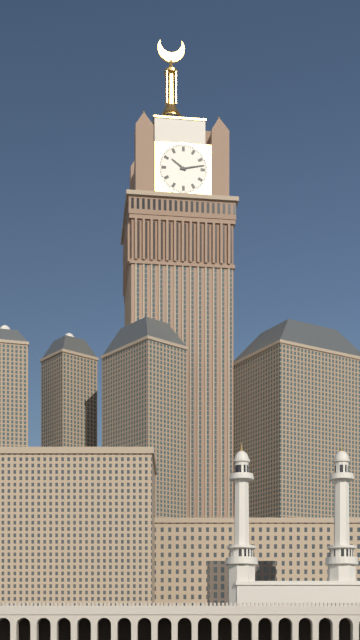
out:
{"hour": 10, "minute": 13}
